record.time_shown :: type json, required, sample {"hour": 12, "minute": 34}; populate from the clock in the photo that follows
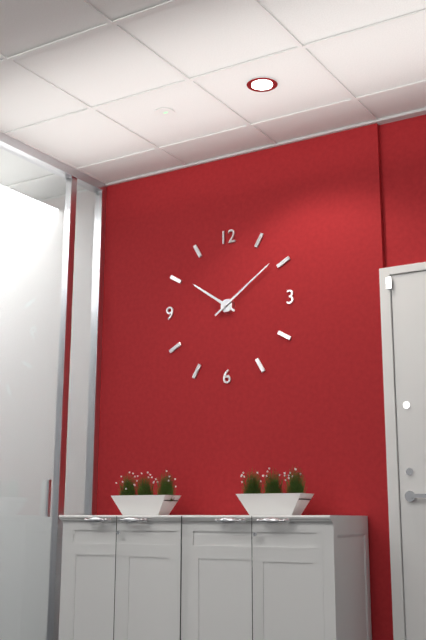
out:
{"hour": 10, "minute": 9}
